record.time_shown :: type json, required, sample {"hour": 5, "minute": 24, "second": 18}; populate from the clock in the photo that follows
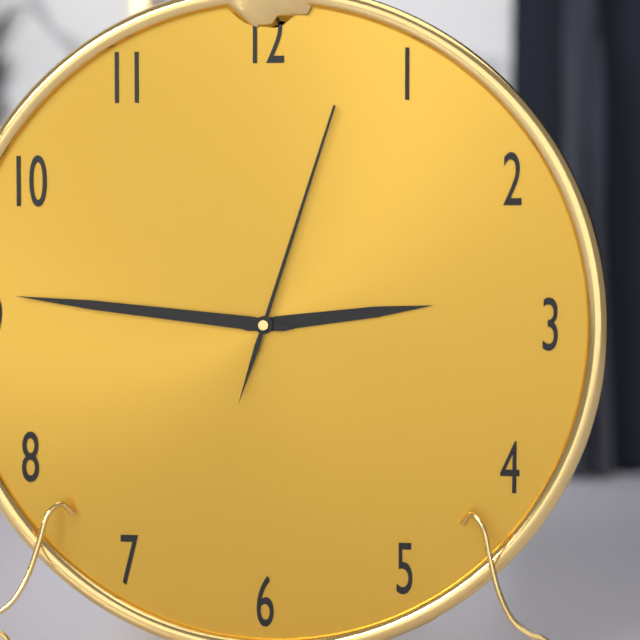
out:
{"hour": 2, "minute": 46, "second": 3}
